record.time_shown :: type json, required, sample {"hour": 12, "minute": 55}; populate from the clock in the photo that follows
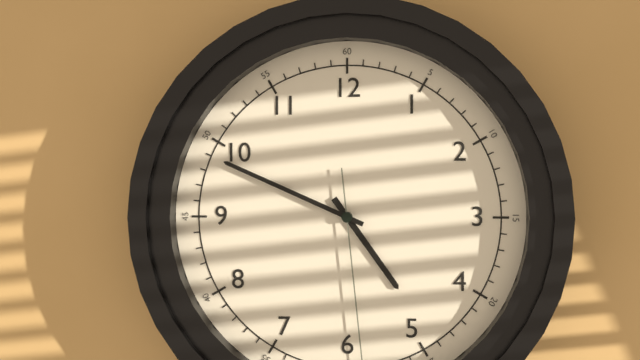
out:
{"hour": 4, "minute": 49}
